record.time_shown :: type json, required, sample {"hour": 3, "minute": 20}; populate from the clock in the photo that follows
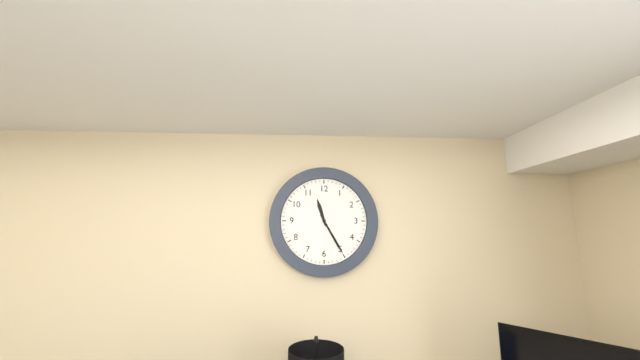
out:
{"hour": 11, "minute": 25}
